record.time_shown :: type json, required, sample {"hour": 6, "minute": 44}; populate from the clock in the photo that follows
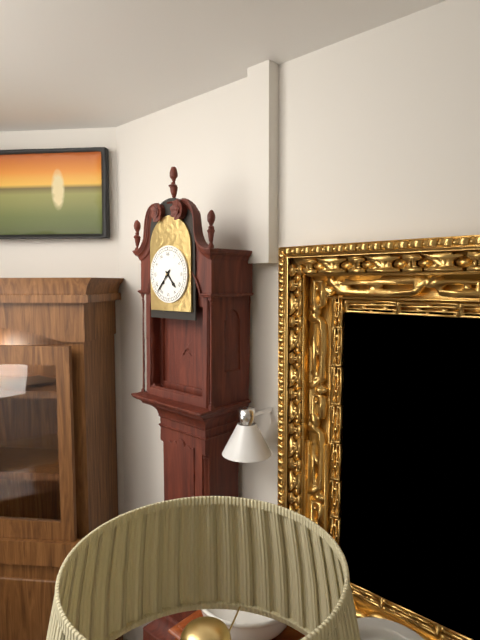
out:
{"hour": 4, "minute": 37}
